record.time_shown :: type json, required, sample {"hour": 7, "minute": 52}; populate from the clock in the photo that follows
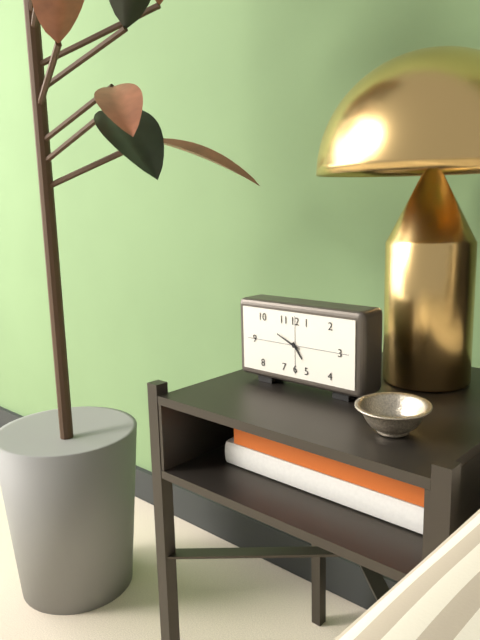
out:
{"hour": 4, "minute": 49}
